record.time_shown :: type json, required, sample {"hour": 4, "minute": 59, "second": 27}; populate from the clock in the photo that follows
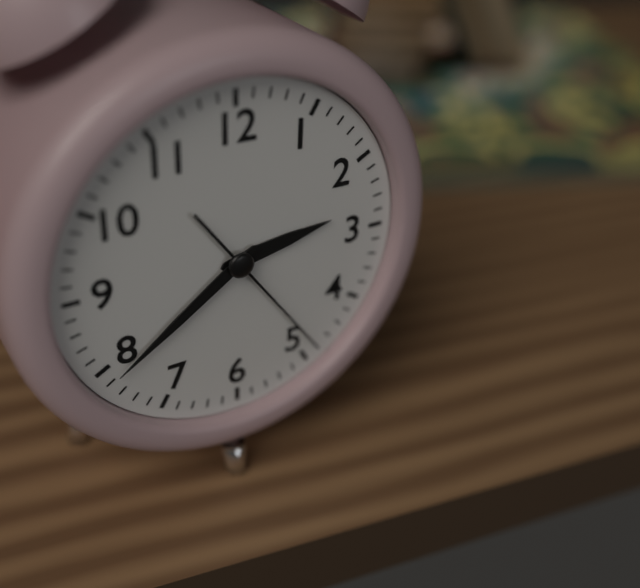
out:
{"hour": 2, "minute": 39, "second": 24}
